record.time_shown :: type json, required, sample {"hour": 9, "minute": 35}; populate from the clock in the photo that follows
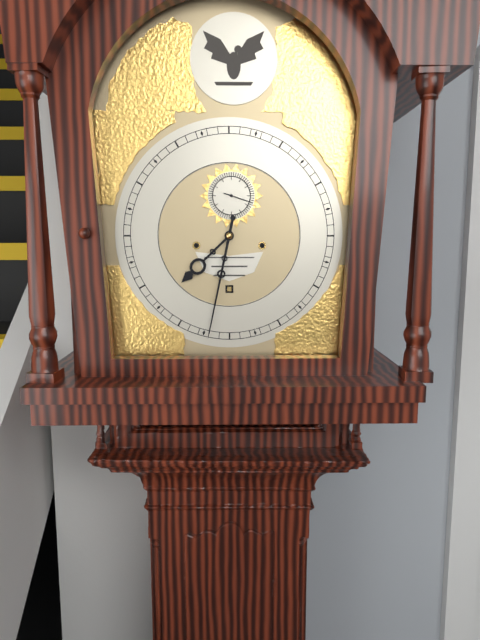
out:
{"hour": 7, "minute": 32}
